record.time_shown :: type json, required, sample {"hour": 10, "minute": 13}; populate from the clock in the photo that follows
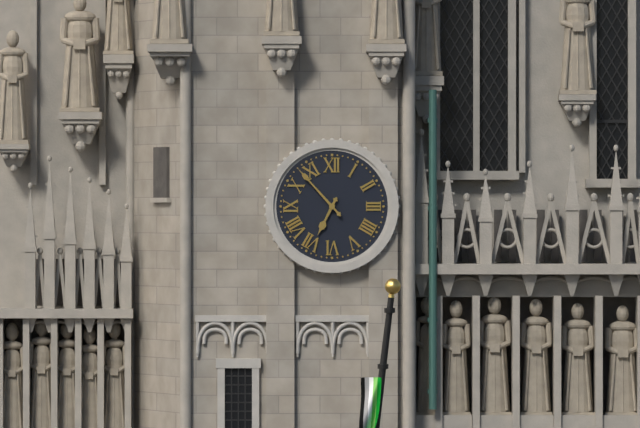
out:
{"hour": 6, "minute": 53}
